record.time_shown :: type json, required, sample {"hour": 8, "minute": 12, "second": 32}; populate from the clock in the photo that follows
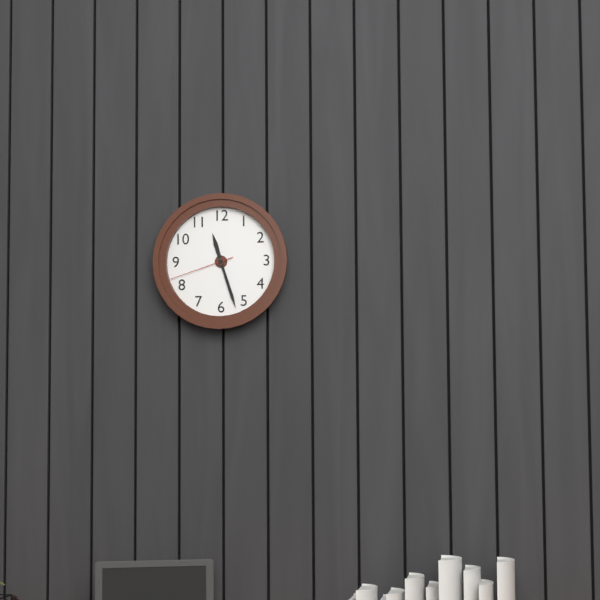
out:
{"hour": 11, "minute": 27, "second": 42}
